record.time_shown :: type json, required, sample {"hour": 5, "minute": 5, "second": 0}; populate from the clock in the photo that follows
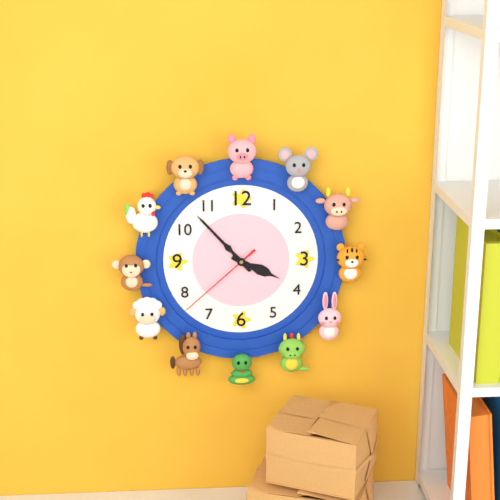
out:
{"hour": 3, "minute": 53, "second": 38}
